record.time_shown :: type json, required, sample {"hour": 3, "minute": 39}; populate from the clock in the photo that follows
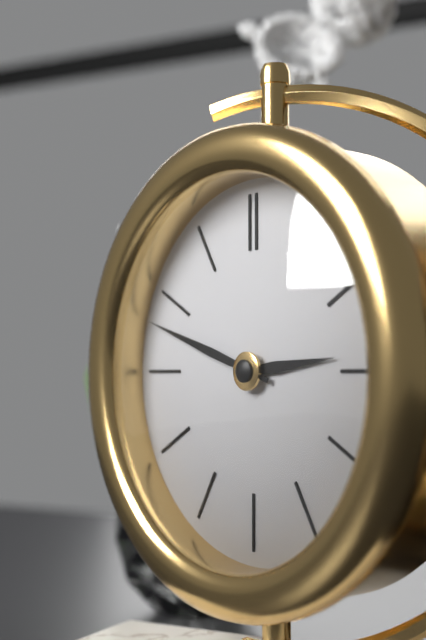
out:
{"hour": 2, "minute": 48}
